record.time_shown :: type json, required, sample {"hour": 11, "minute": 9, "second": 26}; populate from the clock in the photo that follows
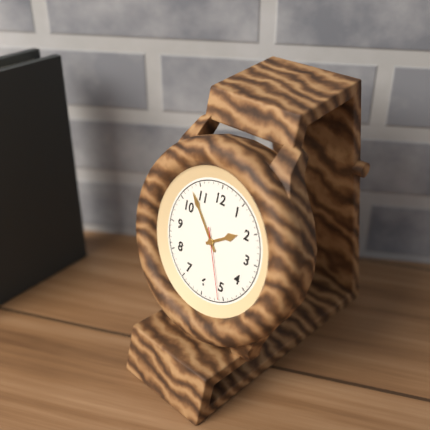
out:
{"hour": 1, "minute": 53, "second": 26}
